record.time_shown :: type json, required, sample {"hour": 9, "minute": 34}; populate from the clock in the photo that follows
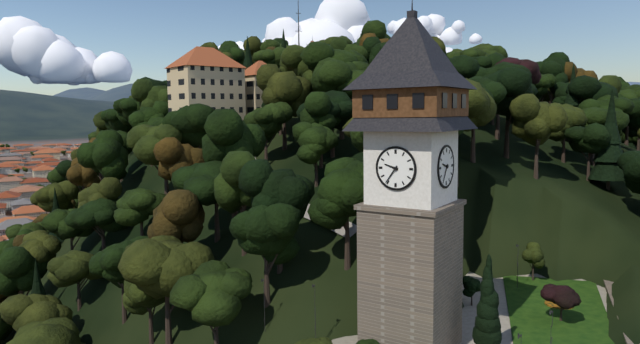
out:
{"hour": 9, "minute": 36}
